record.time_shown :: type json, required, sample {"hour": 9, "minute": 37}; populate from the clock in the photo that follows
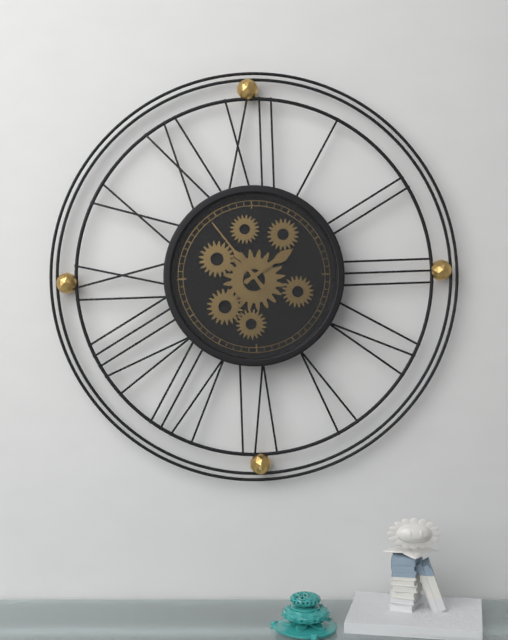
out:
{"hour": 1, "minute": 54}
